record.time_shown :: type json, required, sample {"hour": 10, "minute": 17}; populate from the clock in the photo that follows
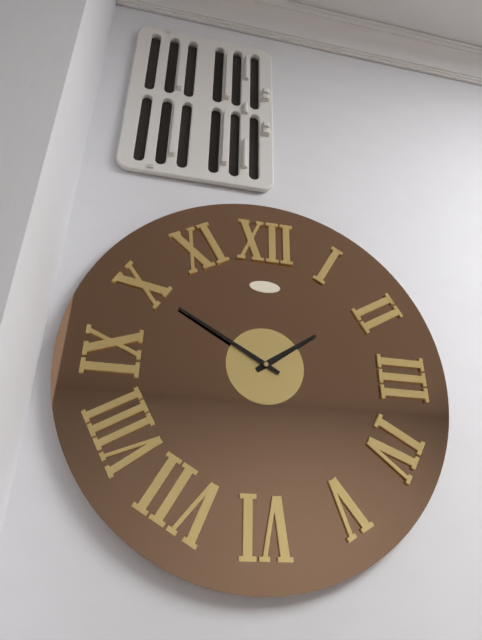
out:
{"hour": 1, "minute": 50}
